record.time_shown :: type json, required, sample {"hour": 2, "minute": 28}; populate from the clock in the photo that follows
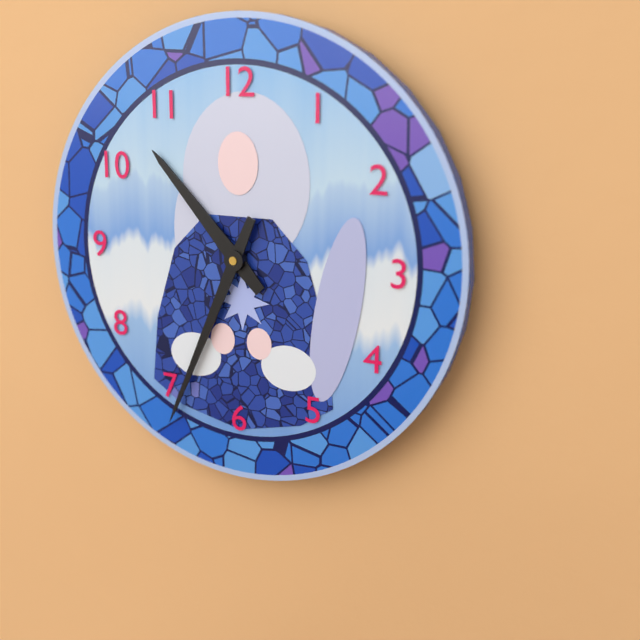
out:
{"hour": 10, "minute": 34}
